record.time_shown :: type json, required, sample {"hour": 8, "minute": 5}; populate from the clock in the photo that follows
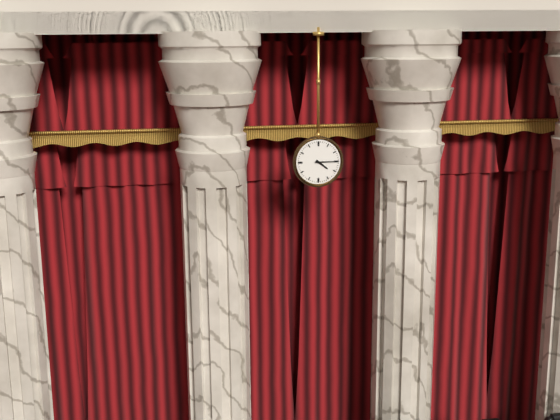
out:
{"hour": 4, "minute": 15}
